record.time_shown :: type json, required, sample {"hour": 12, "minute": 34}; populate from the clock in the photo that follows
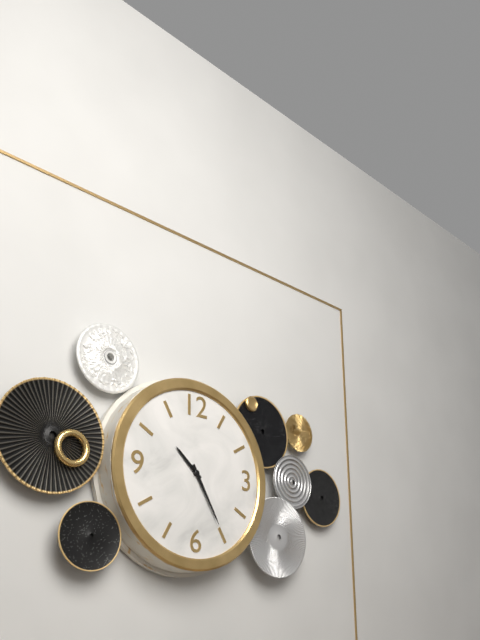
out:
{"hour": 10, "minute": 25}
